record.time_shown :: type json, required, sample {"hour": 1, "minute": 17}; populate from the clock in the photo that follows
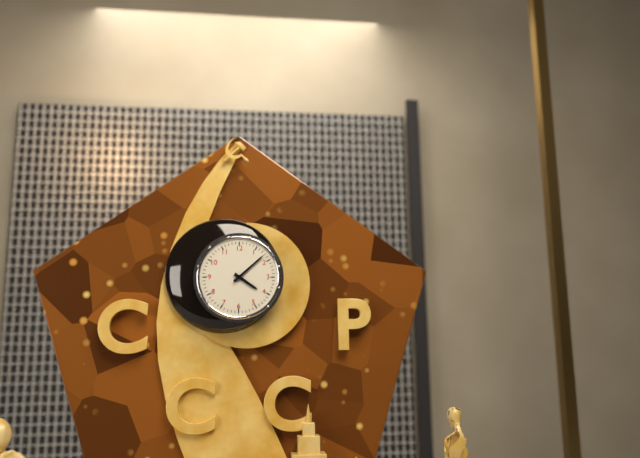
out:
{"hour": 4, "minute": 8}
